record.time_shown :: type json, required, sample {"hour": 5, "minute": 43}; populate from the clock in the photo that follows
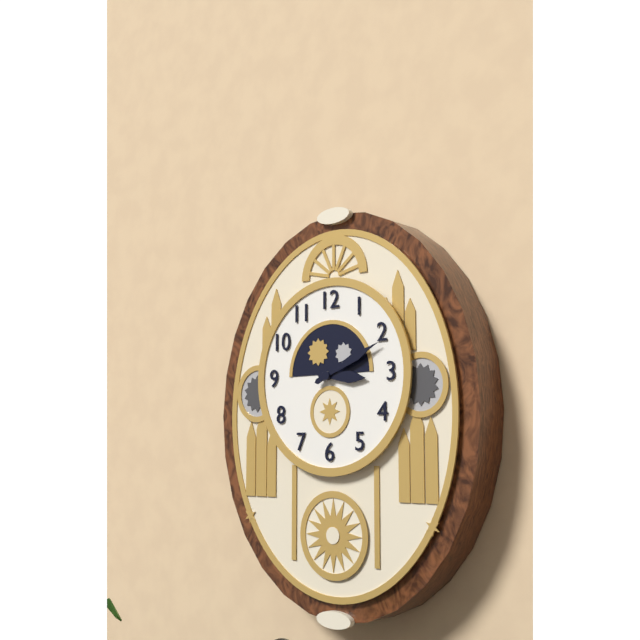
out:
{"hour": 3, "minute": 11}
